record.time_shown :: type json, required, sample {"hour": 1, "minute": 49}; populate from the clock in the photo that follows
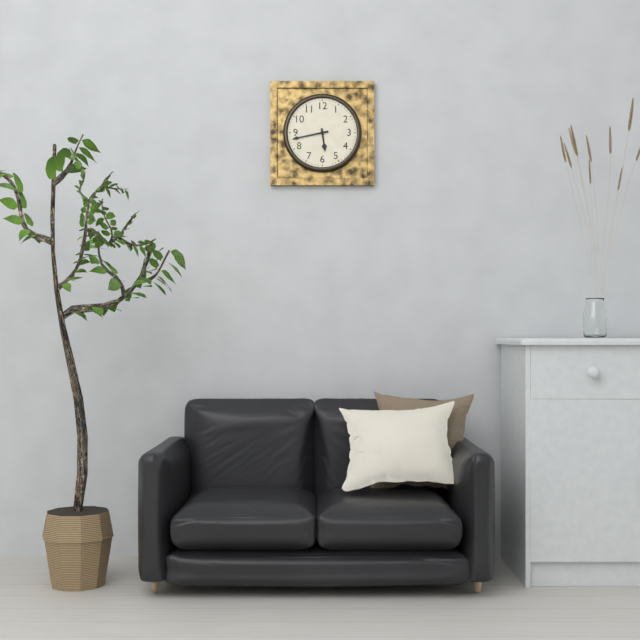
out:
{"hour": 5, "minute": 43}
